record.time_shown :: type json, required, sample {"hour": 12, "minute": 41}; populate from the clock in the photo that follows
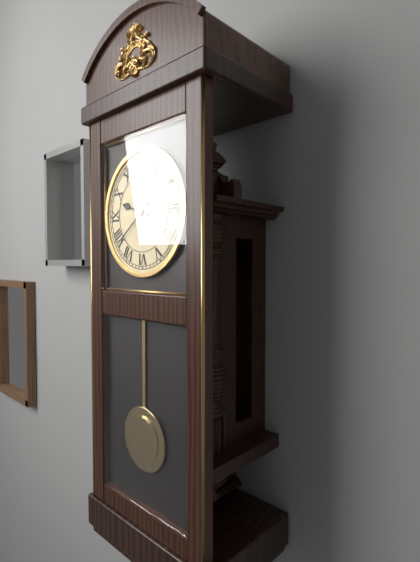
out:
{"hour": 9, "minute": 39}
